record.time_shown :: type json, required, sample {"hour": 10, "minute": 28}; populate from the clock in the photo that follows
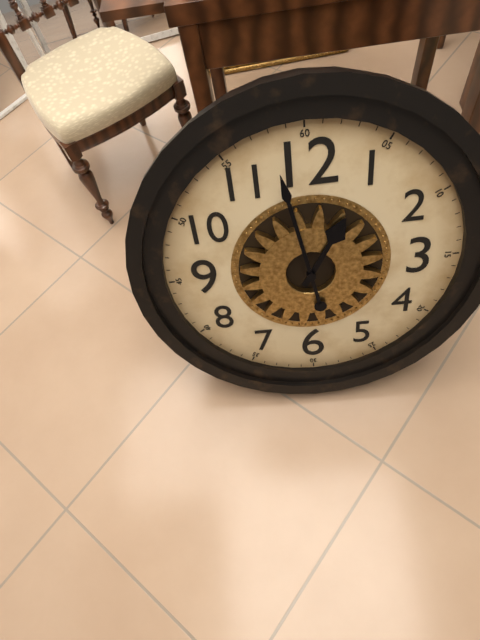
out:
{"hour": 12, "minute": 58}
